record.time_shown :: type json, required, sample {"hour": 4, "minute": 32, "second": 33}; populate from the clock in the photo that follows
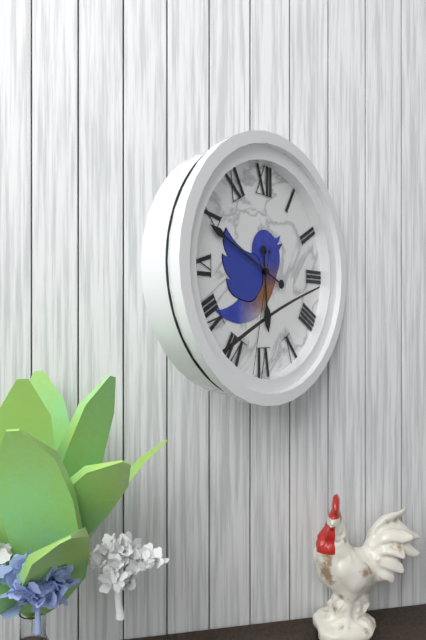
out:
{"hour": 5, "minute": 49, "second": 32}
